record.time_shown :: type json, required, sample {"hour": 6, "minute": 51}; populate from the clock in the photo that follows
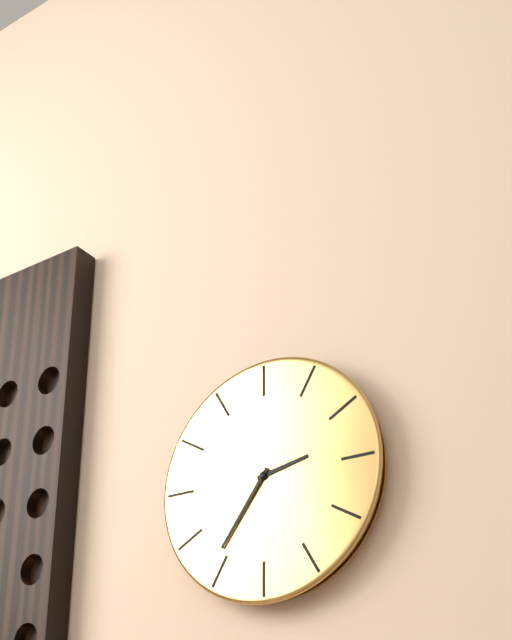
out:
{"hour": 2, "minute": 36}
